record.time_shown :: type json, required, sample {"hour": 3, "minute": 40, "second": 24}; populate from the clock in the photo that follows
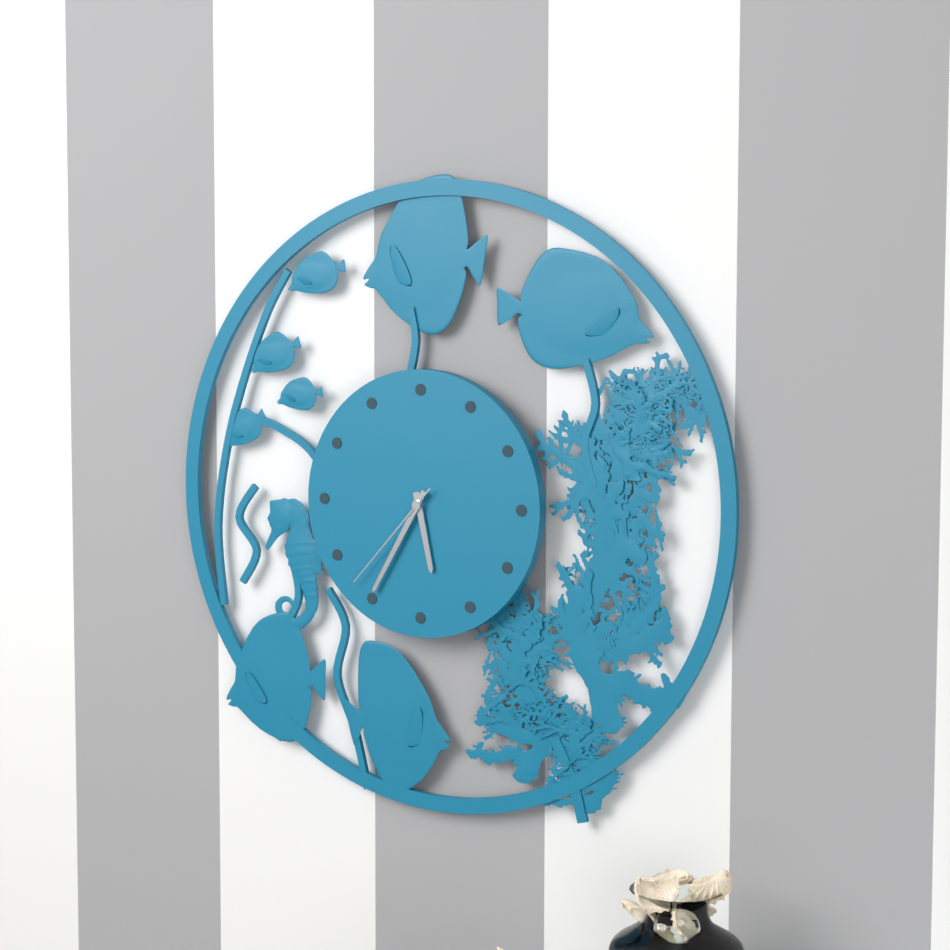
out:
{"hour": 5, "minute": 35, "second": 37}
